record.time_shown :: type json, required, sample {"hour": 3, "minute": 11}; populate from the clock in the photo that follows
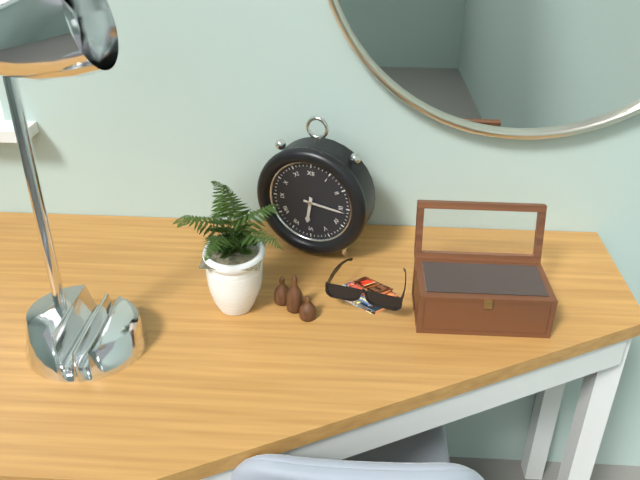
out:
{"hour": 6, "minute": 16}
